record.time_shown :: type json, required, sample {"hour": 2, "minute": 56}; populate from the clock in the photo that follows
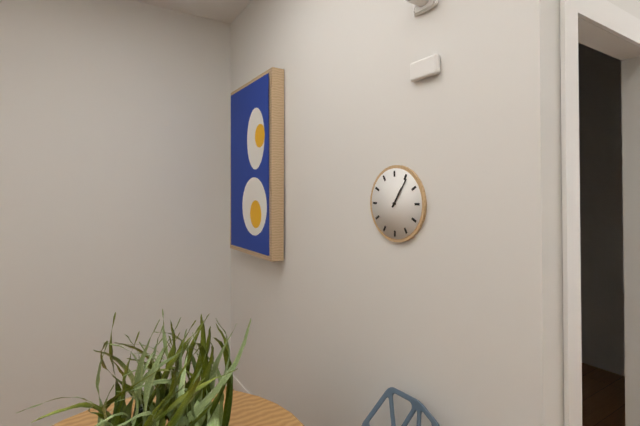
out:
{"hour": 1, "minute": 6}
